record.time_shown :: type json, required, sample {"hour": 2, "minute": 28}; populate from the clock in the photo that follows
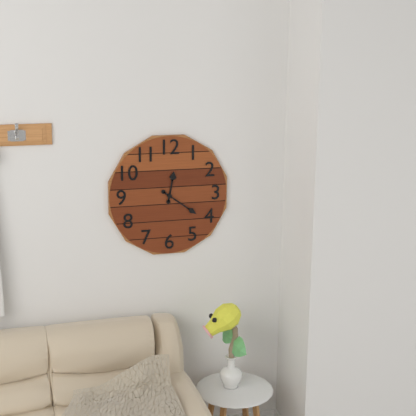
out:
{"hour": 12, "minute": 21}
